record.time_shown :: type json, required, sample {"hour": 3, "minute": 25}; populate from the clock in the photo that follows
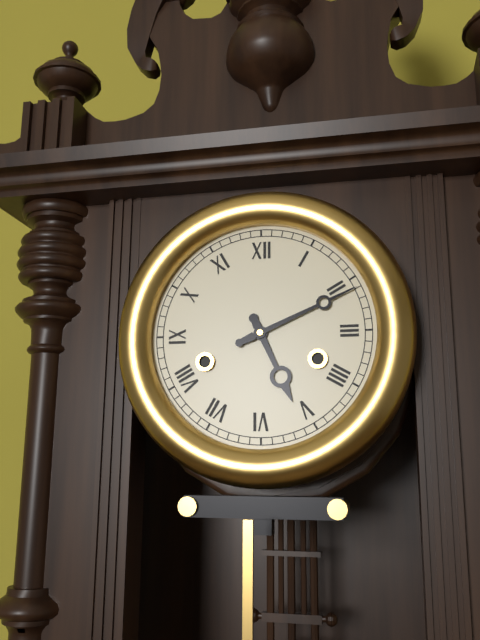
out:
{"hour": 5, "minute": 11}
